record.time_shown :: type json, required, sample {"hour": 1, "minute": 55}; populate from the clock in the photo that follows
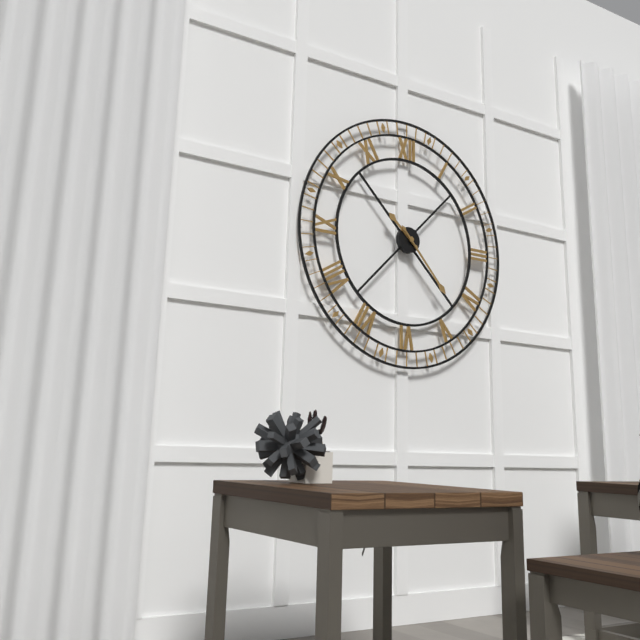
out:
{"hour": 10, "minute": 23}
